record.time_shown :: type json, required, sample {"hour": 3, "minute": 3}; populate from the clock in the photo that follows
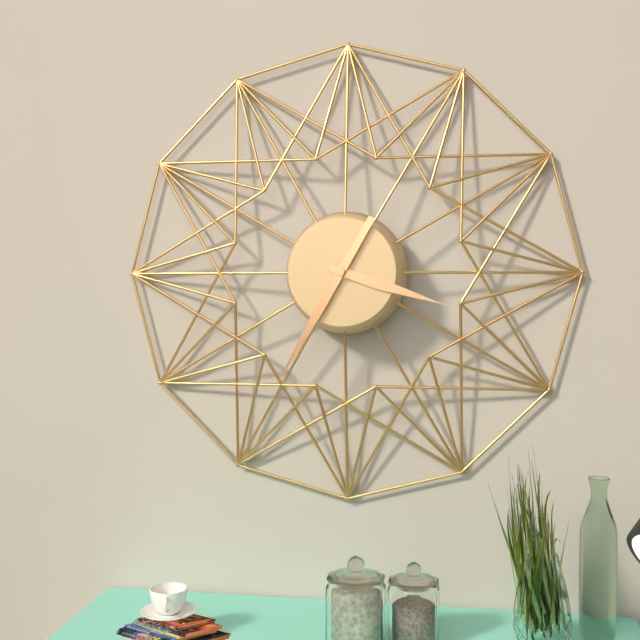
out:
{"hour": 3, "minute": 35}
